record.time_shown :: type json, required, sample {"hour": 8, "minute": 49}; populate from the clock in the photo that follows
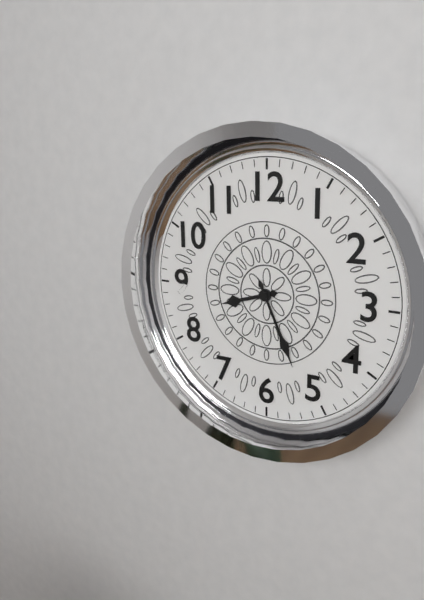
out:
{"hour": 8, "minute": 26}
